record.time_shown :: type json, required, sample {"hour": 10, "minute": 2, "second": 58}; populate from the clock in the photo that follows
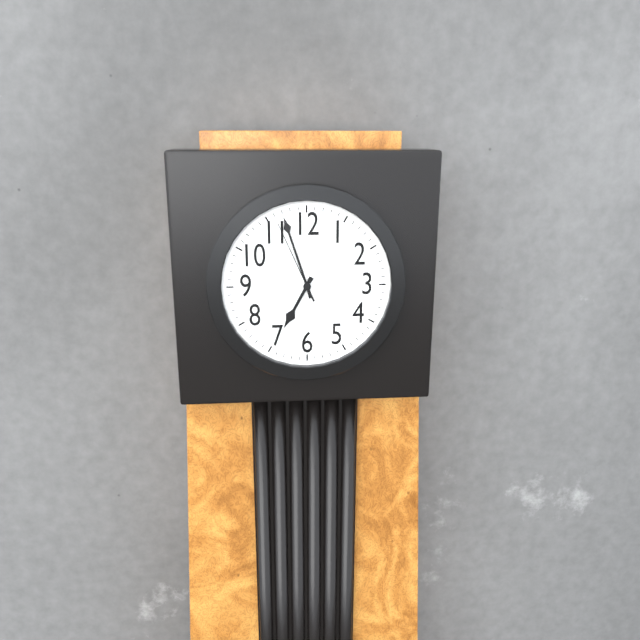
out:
{"hour": 6, "minute": 57, "second": 56}
